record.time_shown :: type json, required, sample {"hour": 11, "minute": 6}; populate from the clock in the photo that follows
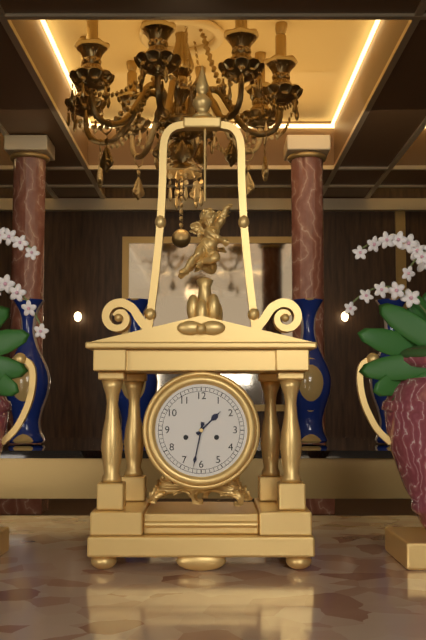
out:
{"hour": 1, "minute": 32}
